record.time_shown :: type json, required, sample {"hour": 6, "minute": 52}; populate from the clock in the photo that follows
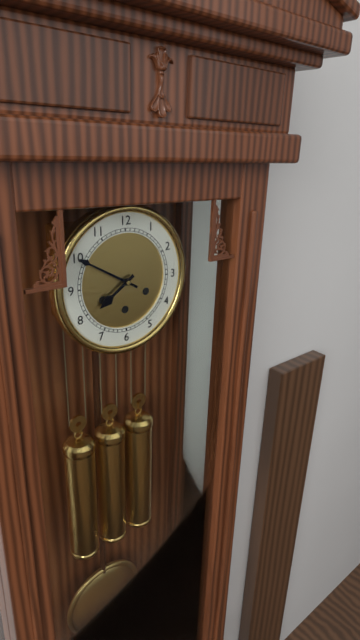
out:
{"hour": 7, "minute": 50}
